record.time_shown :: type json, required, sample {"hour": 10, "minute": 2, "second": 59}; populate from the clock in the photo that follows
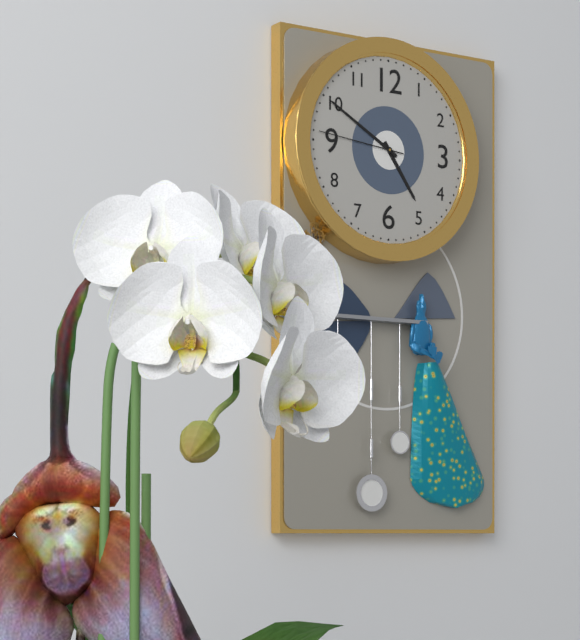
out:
{"hour": 4, "minute": 50, "second": 46}
